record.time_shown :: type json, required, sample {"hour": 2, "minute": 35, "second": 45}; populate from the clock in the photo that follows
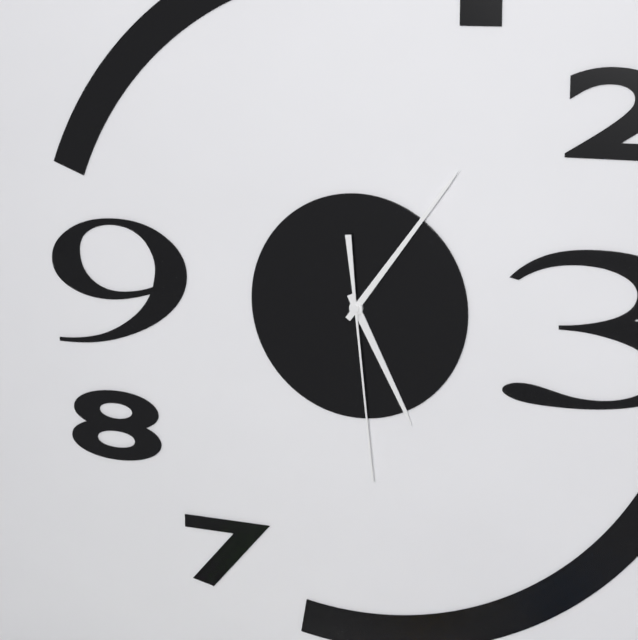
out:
{"hour": 5, "minute": 6, "second": 29}
